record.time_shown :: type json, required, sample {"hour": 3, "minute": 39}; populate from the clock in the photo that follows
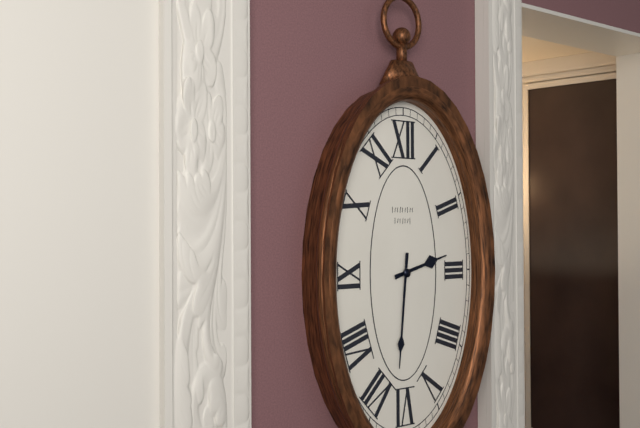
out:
{"hour": 2, "minute": 31}
